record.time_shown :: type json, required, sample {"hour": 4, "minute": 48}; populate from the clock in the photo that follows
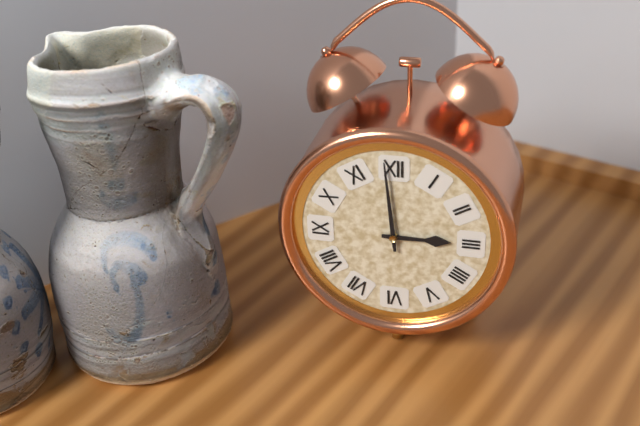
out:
{"hour": 2, "minute": 59}
